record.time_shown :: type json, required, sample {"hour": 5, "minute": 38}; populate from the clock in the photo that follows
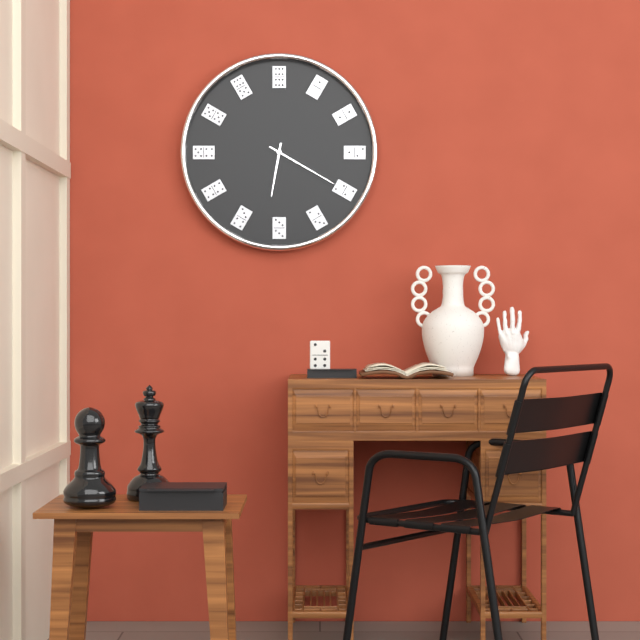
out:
{"hour": 6, "minute": 20}
